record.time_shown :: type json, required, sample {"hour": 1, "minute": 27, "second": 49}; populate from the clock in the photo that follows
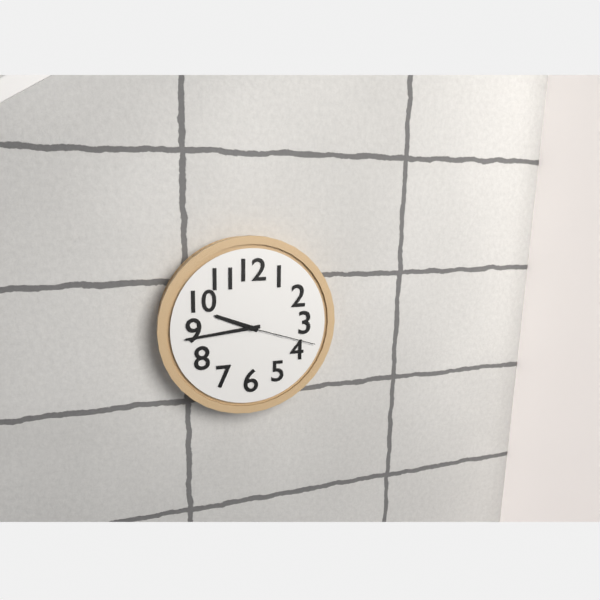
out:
{"hour": 9, "minute": 44, "second": 18}
